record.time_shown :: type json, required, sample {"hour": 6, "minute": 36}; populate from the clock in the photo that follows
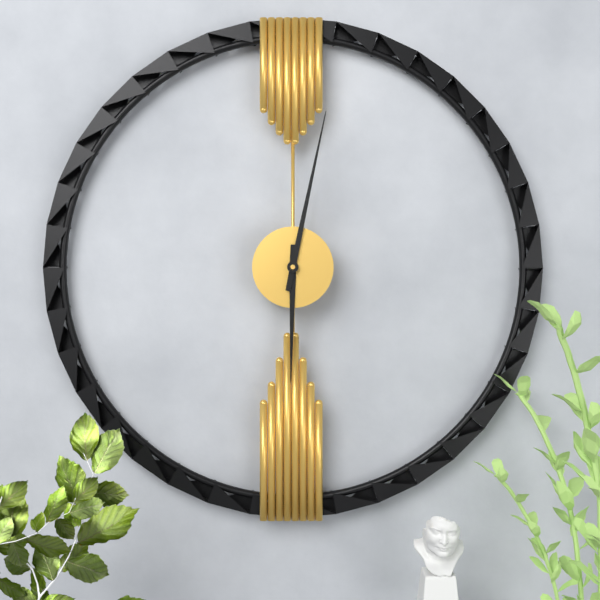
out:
{"hour": 6, "minute": 2}
